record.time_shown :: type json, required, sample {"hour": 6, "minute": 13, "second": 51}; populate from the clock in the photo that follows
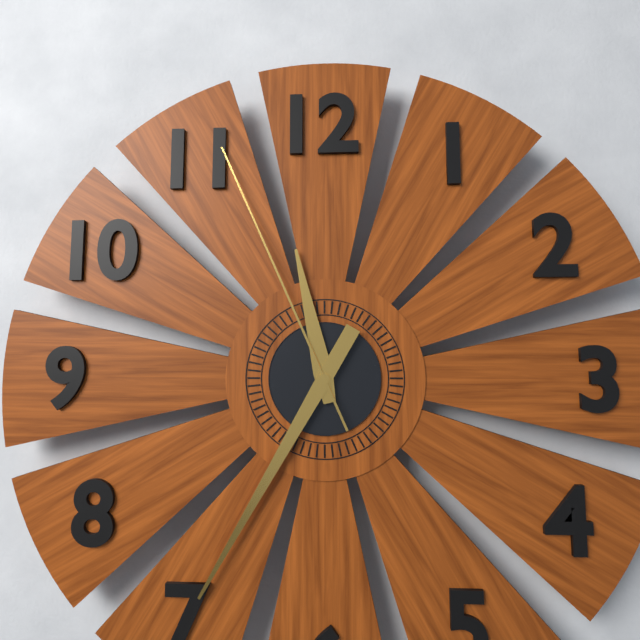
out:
{"hour": 11, "minute": 35, "second": 56}
